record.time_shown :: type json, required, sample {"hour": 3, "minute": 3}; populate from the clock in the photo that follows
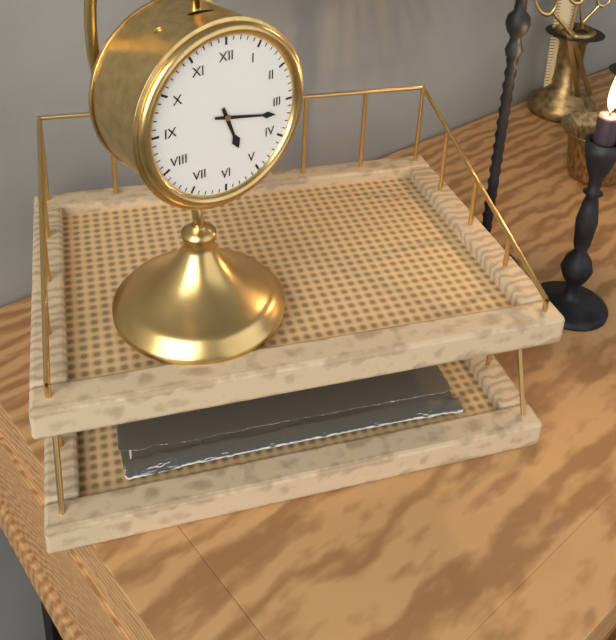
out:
{"hour": 5, "minute": 17}
